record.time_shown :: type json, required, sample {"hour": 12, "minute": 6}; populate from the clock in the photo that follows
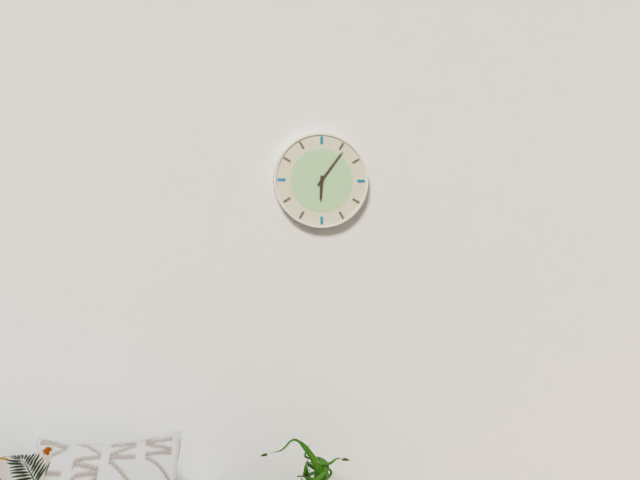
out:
{"hour": 6, "minute": 6}
